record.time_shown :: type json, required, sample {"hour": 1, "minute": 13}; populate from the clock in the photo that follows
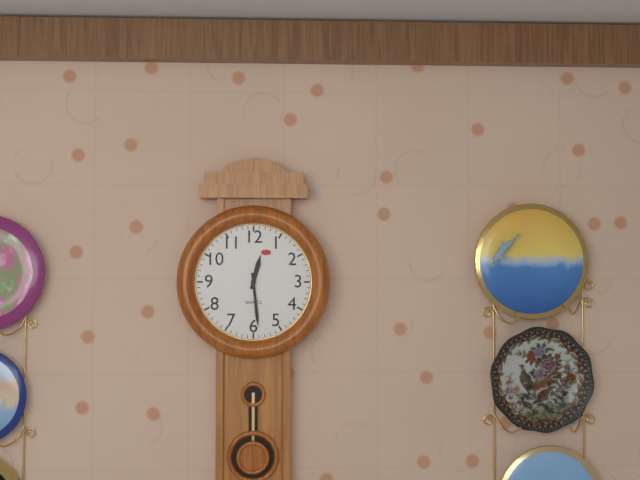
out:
{"hour": 12, "minute": 29}
